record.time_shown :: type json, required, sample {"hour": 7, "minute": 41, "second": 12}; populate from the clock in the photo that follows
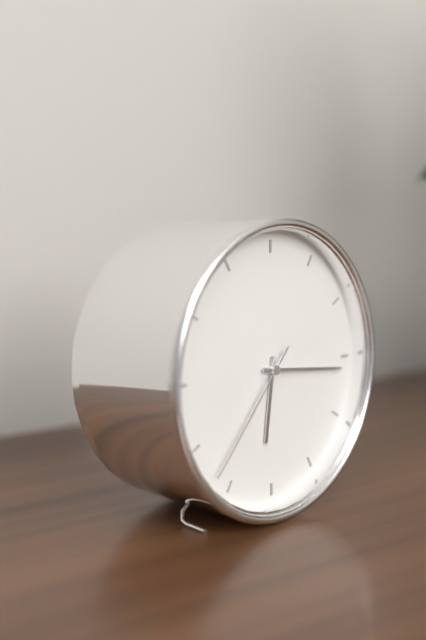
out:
{"hour": 6, "minute": 16, "second": 37}
